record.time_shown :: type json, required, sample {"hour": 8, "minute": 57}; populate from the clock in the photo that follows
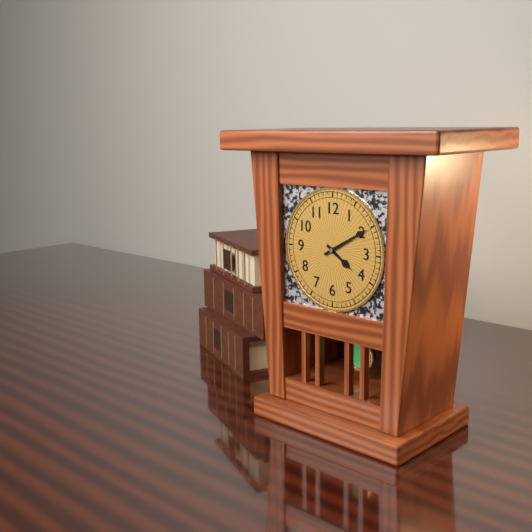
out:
{"hour": 4, "minute": 10}
